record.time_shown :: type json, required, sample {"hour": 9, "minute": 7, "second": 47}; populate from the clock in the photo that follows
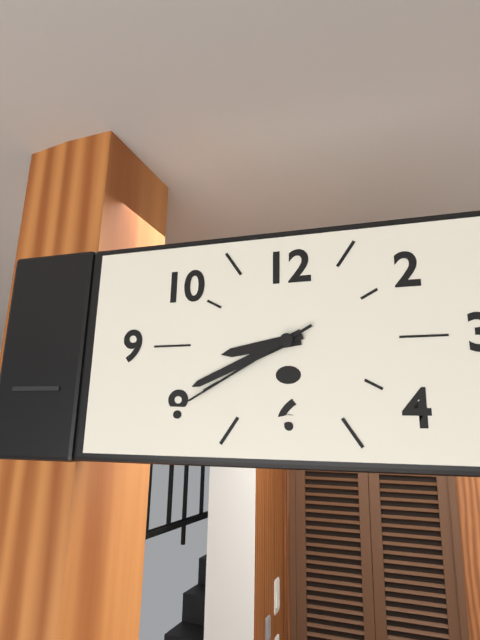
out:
{"hour": 8, "minute": 41, "second": 40}
